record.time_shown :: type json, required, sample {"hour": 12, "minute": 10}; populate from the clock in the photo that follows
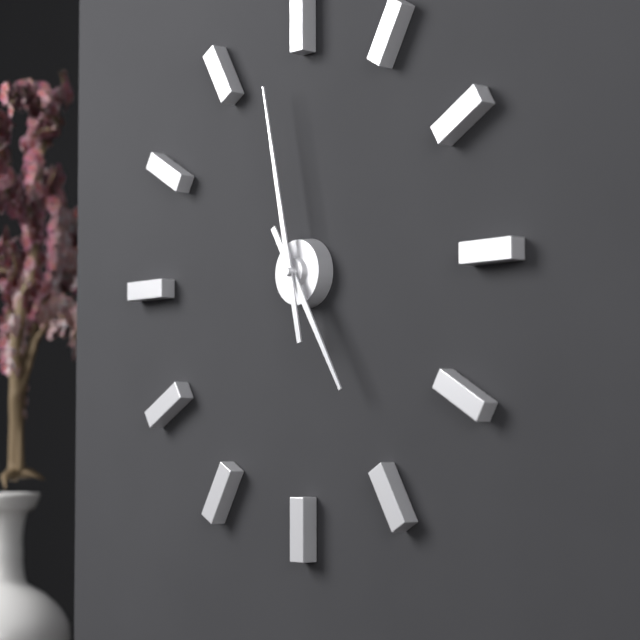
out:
{"hour": 4, "minute": 58}
